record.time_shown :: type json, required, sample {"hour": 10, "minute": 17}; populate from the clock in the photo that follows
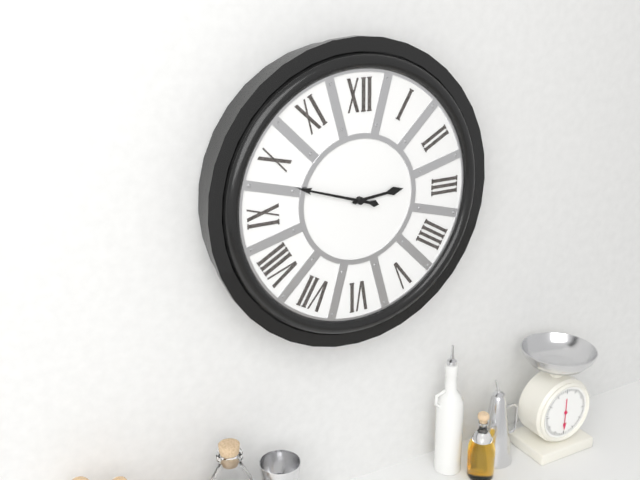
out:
{"hour": 2, "minute": 48}
